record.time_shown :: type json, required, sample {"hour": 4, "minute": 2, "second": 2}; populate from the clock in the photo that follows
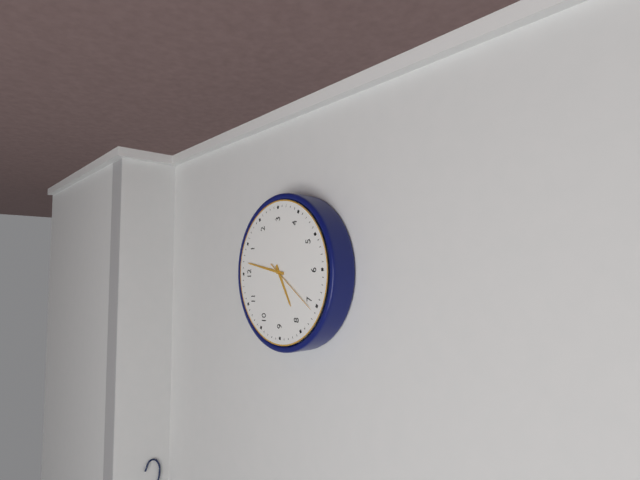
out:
{"hour": 8, "minute": 2, "second": 36}
